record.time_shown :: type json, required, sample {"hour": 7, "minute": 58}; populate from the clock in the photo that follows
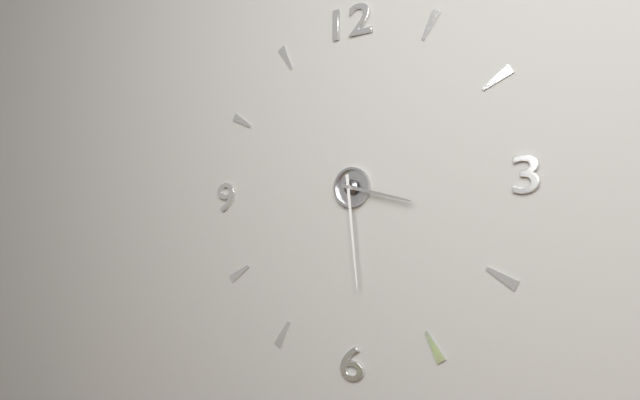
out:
{"hour": 3, "minute": 29}
